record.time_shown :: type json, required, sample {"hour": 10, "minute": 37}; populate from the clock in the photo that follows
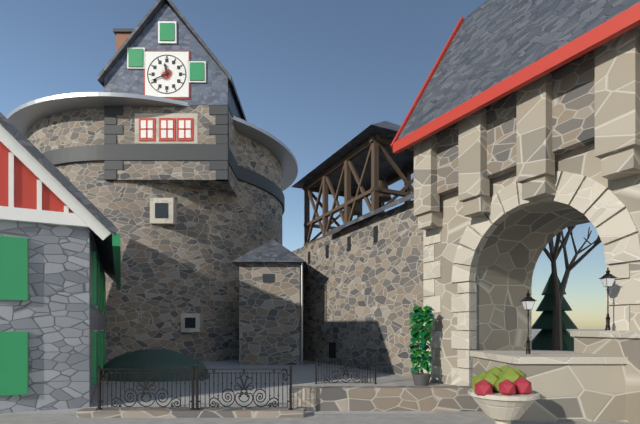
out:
{"hour": 11, "minute": 41}
